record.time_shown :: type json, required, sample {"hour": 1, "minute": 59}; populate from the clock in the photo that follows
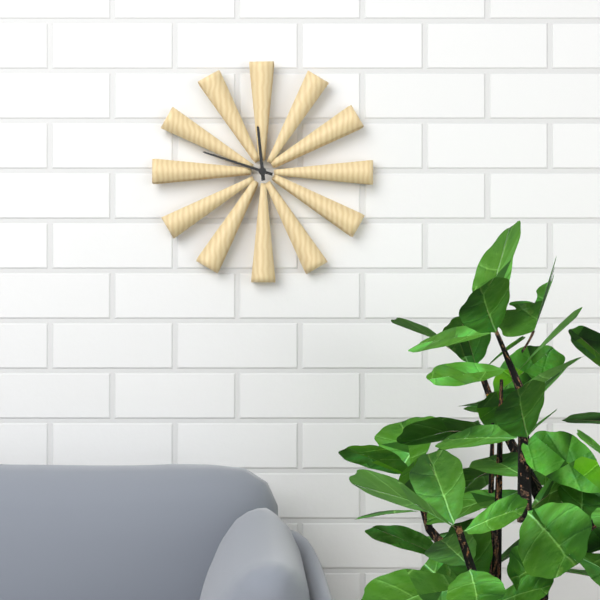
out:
{"hour": 11, "minute": 48}
